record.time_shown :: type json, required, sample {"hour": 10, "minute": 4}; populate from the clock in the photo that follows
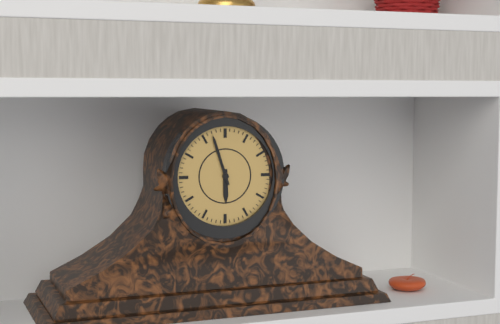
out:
{"hour": 5, "minute": 57}
